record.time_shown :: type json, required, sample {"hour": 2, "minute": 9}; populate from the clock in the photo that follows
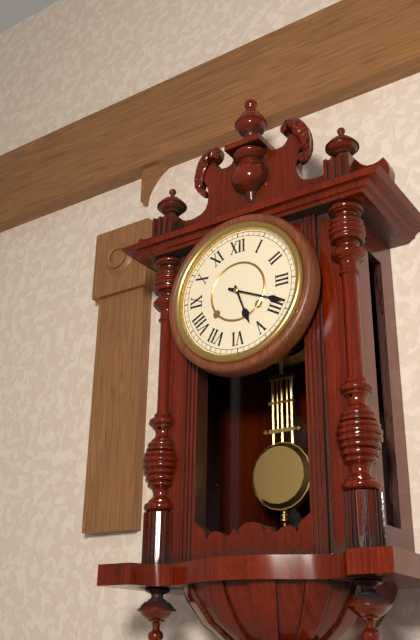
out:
{"hour": 5, "minute": 19}
